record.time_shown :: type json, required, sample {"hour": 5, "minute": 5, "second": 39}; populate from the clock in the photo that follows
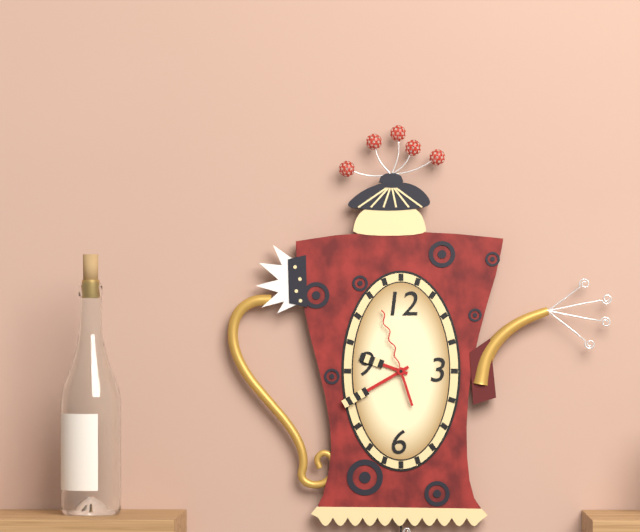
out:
{"hour": 9, "minute": 40, "second": 57}
